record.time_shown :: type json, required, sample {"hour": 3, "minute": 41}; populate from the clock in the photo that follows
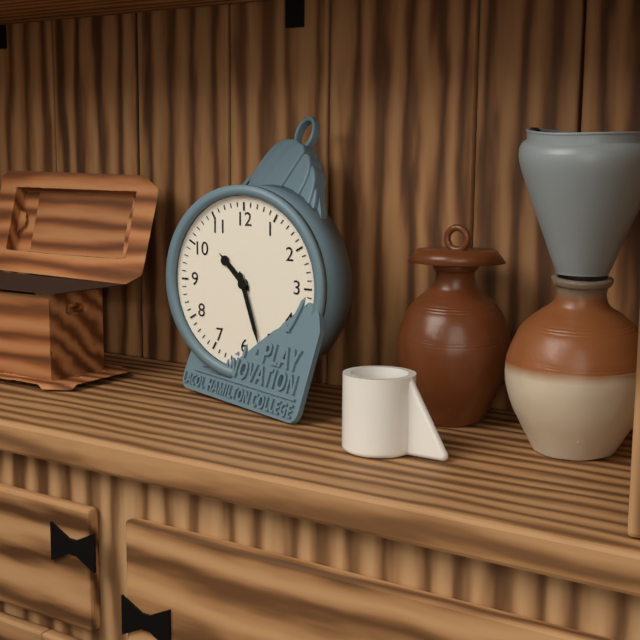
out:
{"hour": 10, "minute": 27}
